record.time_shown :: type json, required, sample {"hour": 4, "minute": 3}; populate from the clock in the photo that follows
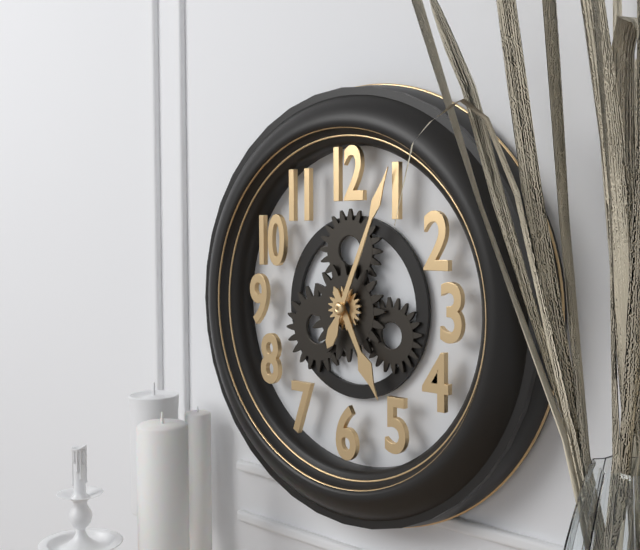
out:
{"hour": 5, "minute": 4}
